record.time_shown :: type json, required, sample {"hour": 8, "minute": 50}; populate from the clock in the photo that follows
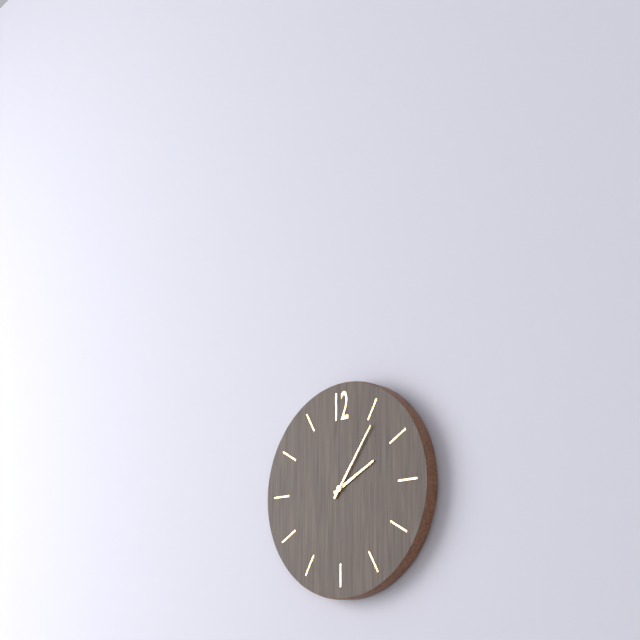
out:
{"hour": 2, "minute": 6}
